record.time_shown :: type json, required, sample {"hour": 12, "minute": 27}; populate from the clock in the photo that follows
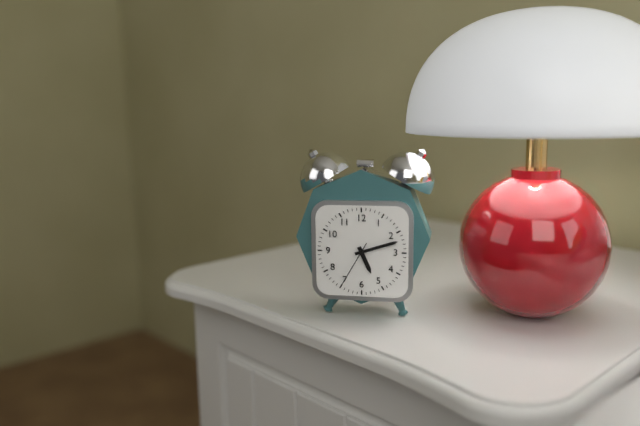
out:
{"hour": 5, "minute": 12}
